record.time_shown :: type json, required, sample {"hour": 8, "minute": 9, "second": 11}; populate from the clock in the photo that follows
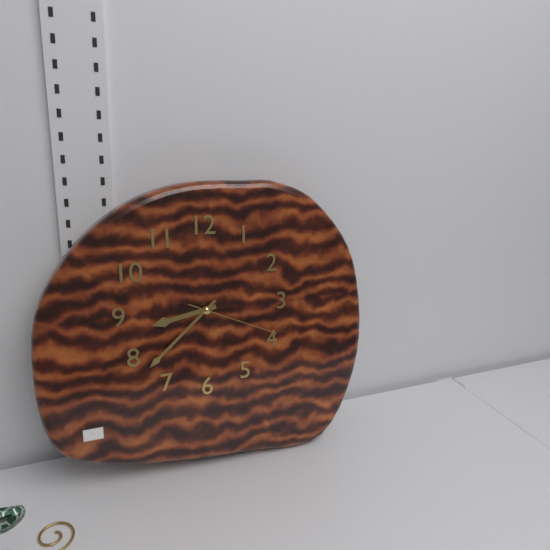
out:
{"hour": 8, "minute": 38, "second": 19}
